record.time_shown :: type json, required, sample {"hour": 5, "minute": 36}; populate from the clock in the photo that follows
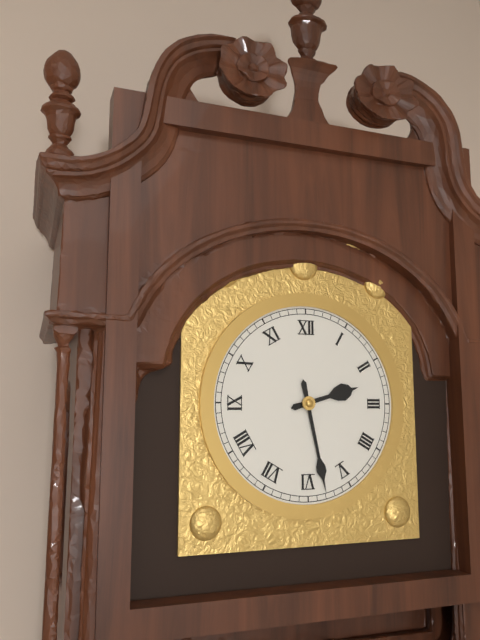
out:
{"hour": 2, "minute": 28}
